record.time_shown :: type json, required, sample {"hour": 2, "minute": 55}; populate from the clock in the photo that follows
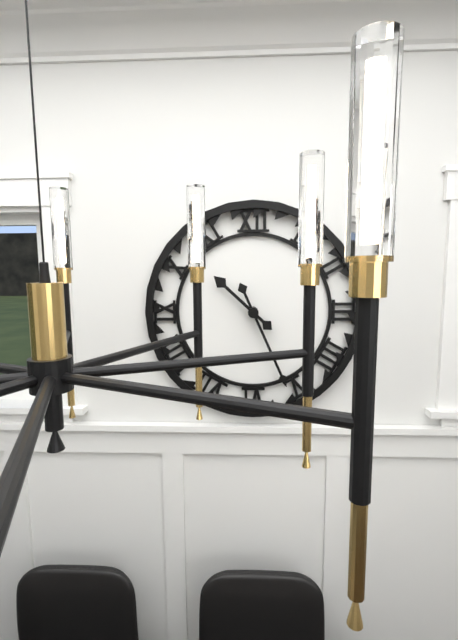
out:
{"hour": 10, "minute": 26}
